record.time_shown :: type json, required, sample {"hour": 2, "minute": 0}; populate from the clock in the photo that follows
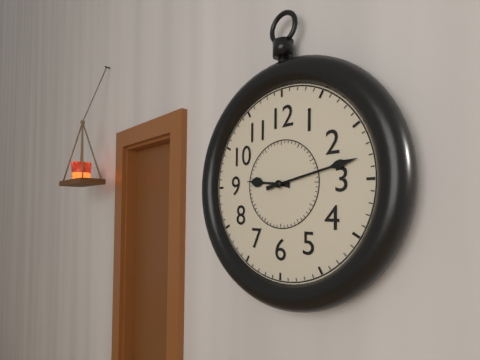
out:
{"hour": 9, "minute": 13}
